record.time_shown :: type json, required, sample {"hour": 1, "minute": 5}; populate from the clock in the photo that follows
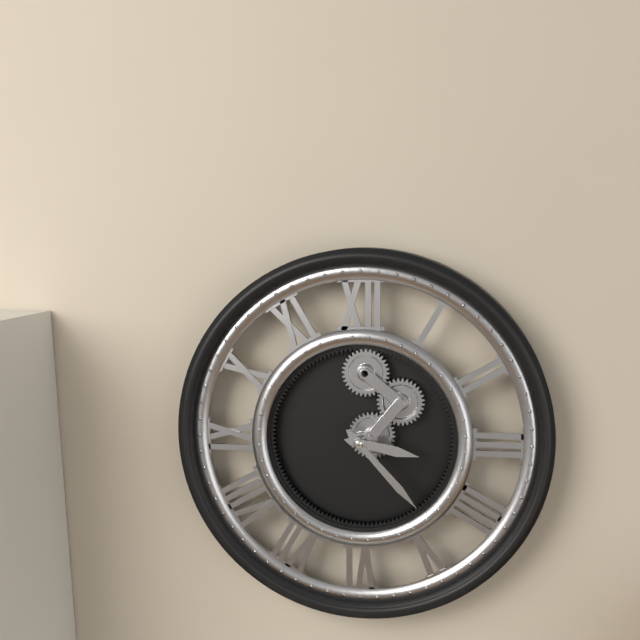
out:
{"hour": 3, "minute": 23}
